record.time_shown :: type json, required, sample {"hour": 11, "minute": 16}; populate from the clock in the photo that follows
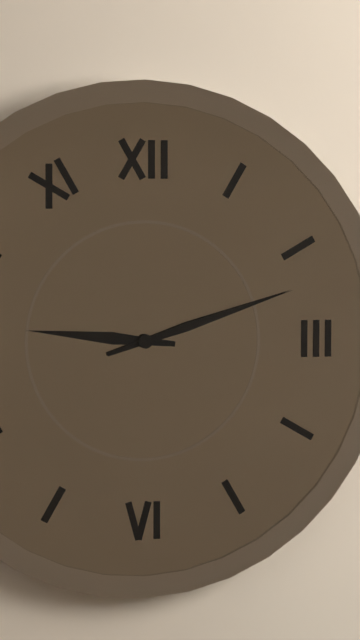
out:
{"hour": 9, "minute": 12}
